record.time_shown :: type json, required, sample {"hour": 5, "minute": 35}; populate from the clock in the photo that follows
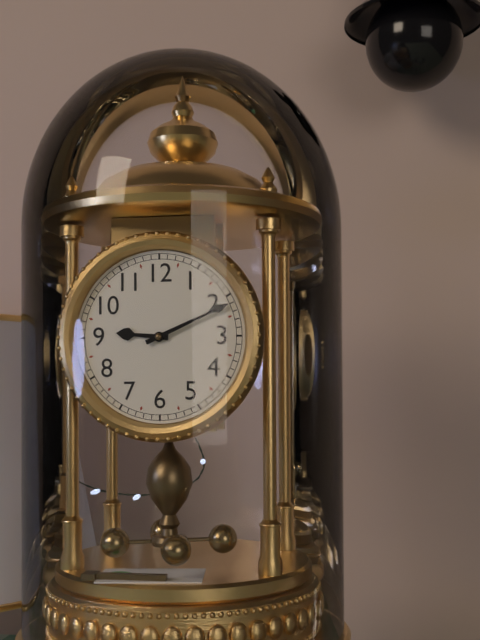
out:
{"hour": 9, "minute": 11}
